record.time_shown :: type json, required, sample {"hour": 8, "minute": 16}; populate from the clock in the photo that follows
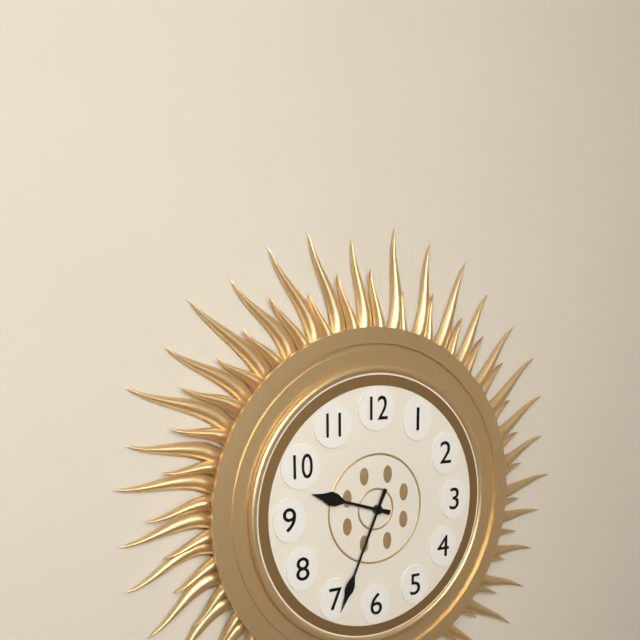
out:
{"hour": 9, "minute": 34}
